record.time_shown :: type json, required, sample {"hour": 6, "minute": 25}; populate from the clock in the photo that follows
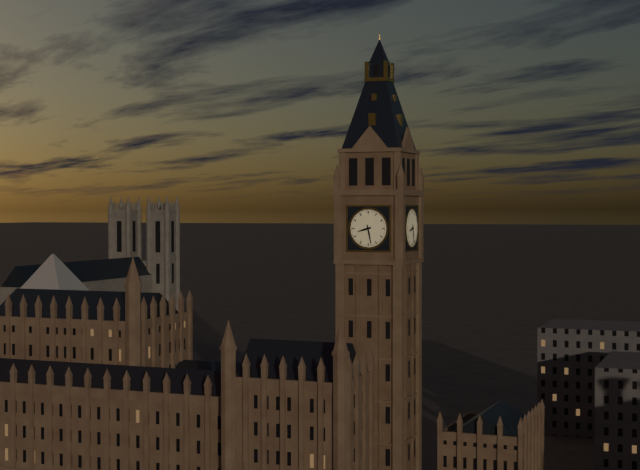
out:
{"hour": 8, "minute": 28}
